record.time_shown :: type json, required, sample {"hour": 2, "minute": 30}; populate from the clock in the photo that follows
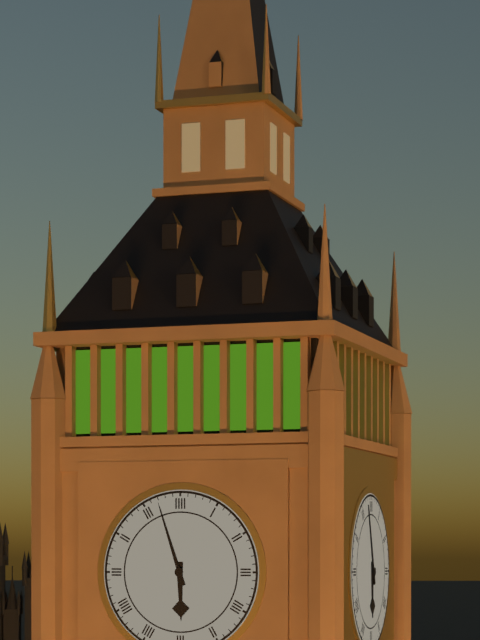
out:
{"hour": 5, "minute": 57}
